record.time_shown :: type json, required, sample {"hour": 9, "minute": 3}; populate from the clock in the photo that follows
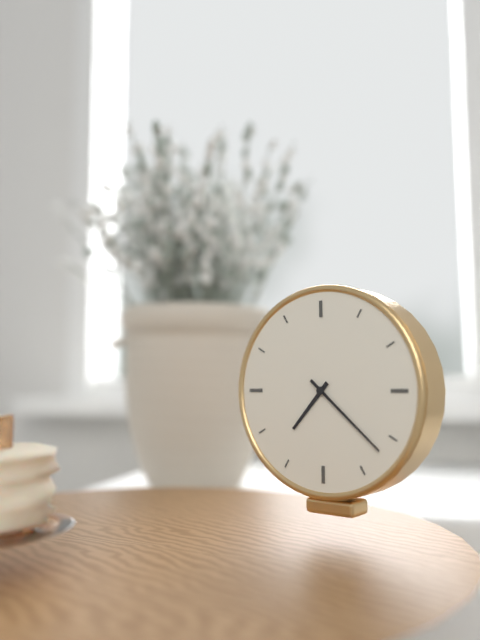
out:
{"hour": 7, "minute": 22}
